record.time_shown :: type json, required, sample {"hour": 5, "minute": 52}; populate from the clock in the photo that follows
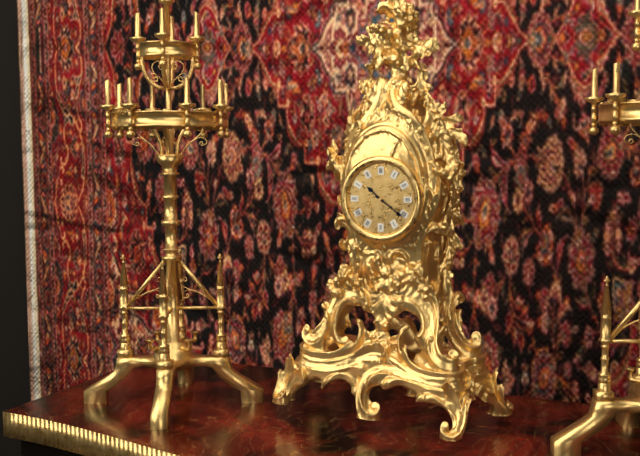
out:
{"hour": 10, "minute": 21}
